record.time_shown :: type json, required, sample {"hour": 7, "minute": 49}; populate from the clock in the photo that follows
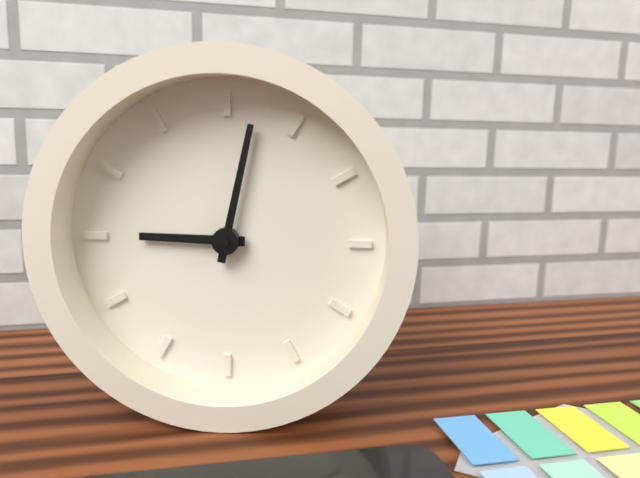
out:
{"hour": 9, "minute": 2}
